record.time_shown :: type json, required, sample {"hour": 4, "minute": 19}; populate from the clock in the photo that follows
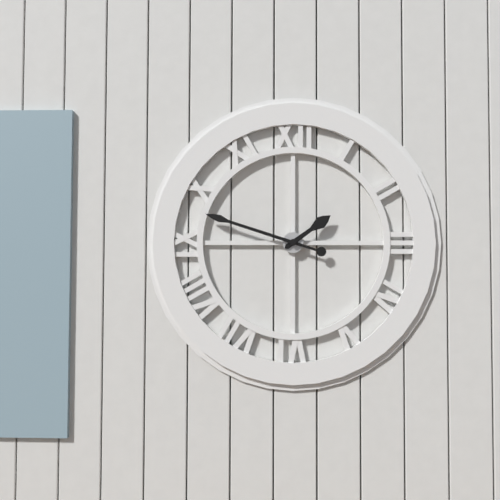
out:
{"hour": 1, "minute": 48}
